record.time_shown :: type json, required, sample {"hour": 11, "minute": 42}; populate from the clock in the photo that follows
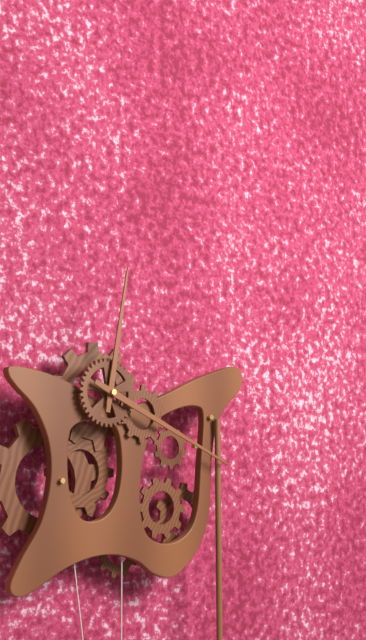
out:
{"hour": 12, "minute": 19}
